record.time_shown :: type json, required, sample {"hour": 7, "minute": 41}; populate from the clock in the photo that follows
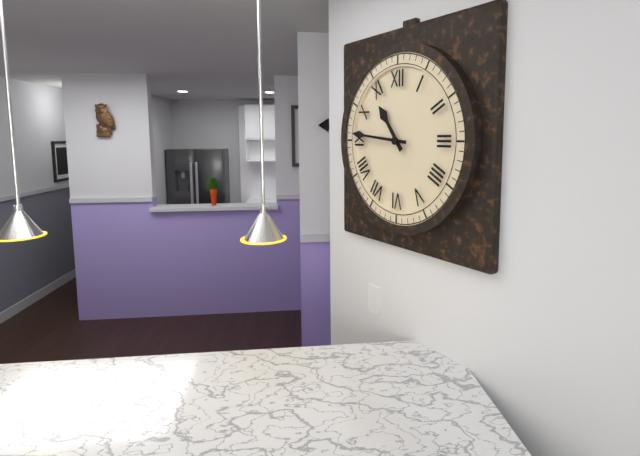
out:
{"hour": 10, "minute": 46}
